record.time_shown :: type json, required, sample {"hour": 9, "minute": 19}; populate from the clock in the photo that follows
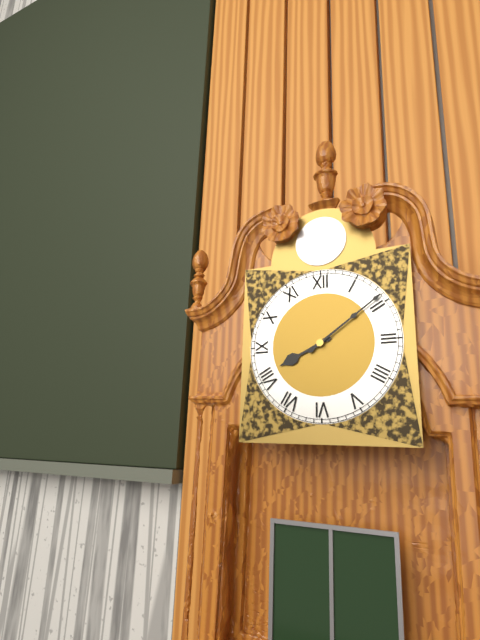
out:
{"hour": 8, "minute": 9}
